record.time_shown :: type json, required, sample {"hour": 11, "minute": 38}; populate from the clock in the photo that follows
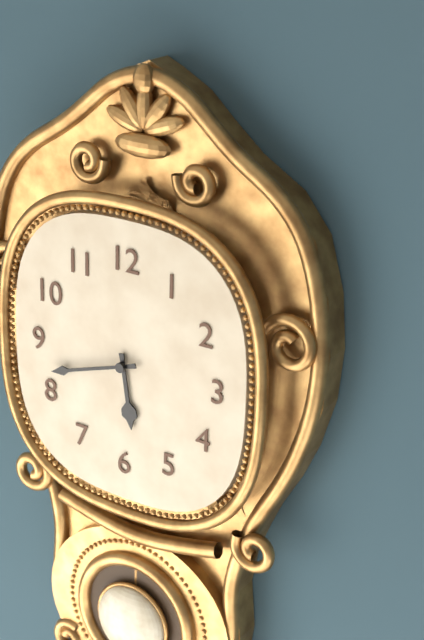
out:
{"hour": 5, "minute": 42}
